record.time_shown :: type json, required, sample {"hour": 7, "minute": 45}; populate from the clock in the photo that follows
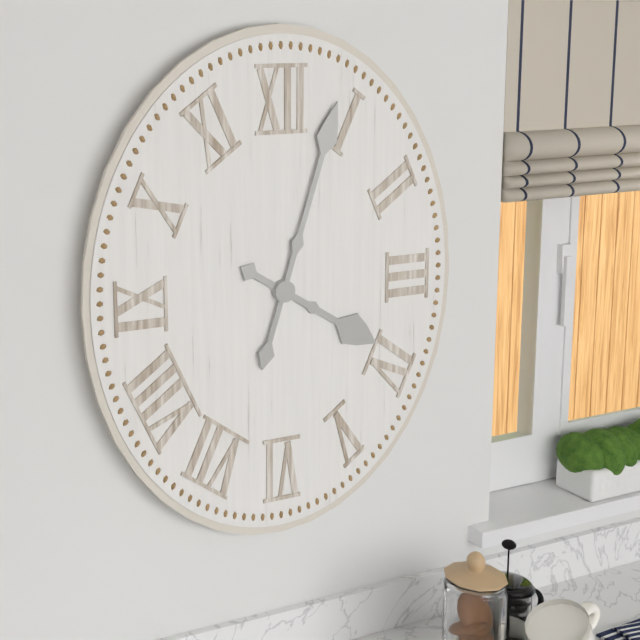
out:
{"hour": 4, "minute": 3}
